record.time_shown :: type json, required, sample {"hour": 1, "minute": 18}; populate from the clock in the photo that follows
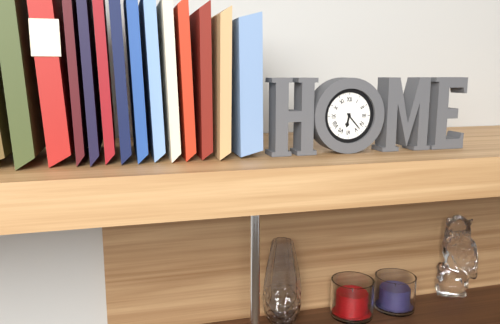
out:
{"hour": 6, "minute": 23}
